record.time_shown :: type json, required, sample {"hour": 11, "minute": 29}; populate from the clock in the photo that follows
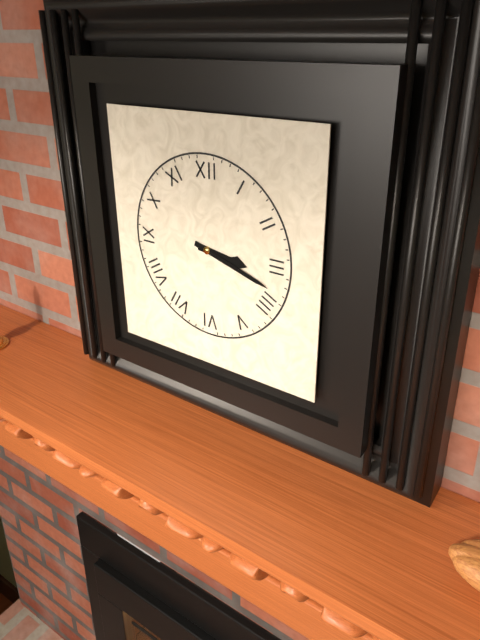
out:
{"hour": 3, "minute": 18}
